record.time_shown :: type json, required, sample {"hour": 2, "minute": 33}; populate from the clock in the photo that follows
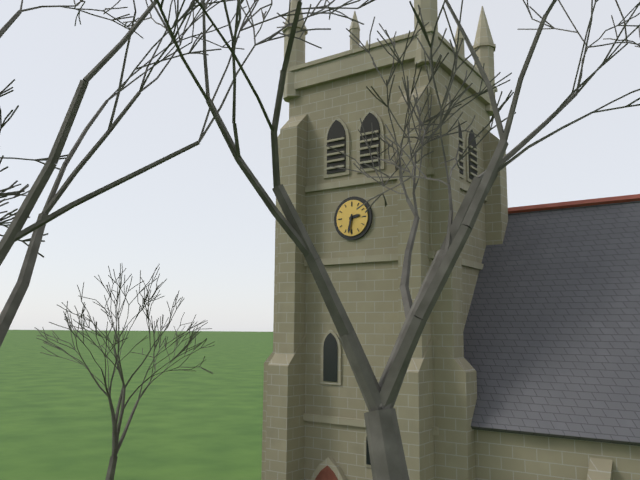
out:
{"hour": 2, "minute": 32}
